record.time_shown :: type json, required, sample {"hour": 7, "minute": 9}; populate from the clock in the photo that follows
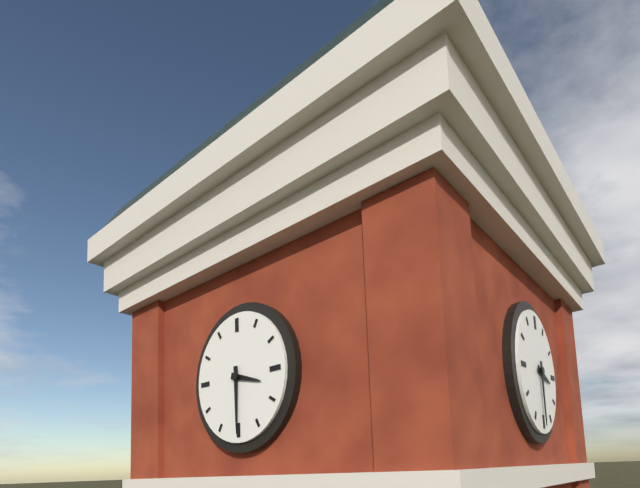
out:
{"hour": 3, "minute": 30}
